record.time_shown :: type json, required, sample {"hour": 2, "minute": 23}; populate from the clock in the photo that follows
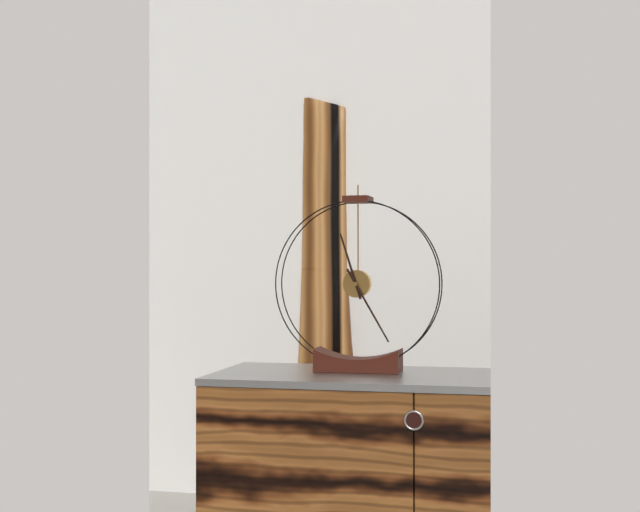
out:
{"hour": 11, "minute": 25}
